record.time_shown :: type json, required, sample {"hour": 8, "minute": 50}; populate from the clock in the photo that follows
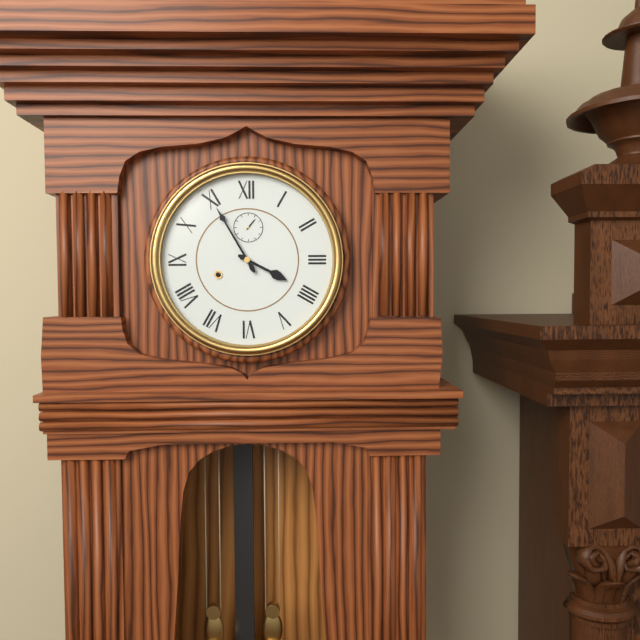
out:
{"hour": 3, "minute": 55}
